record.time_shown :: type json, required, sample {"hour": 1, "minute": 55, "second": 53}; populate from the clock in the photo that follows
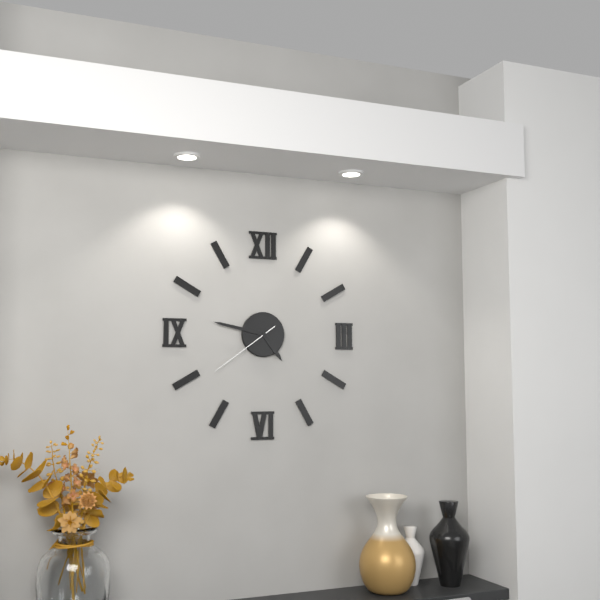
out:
{"hour": 4, "minute": 47, "second": 39}
